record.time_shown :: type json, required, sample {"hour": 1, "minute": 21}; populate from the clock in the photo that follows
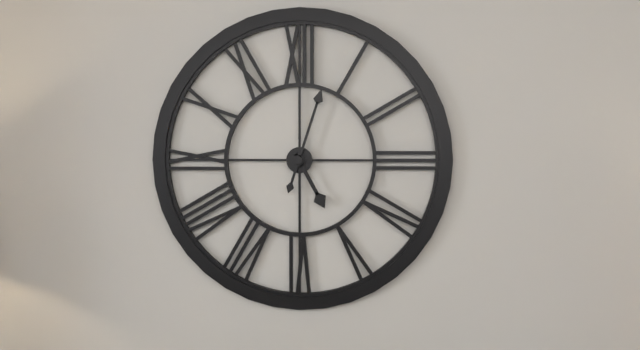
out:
{"hour": 5, "minute": 3}
